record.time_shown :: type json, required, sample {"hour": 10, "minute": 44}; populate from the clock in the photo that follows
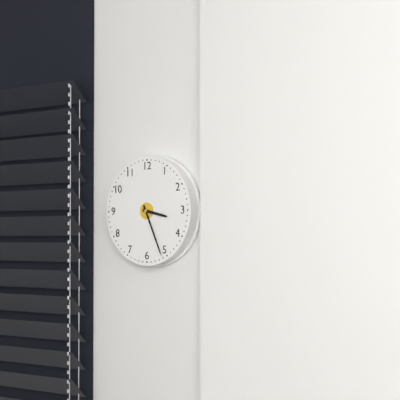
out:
{"hour": 3, "minute": 26}
